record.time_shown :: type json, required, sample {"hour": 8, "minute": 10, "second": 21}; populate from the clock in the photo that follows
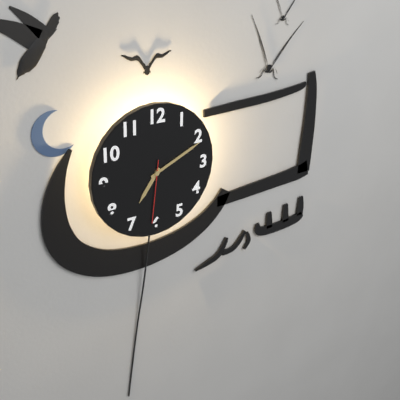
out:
{"hour": 7, "minute": 11, "second": 31}
